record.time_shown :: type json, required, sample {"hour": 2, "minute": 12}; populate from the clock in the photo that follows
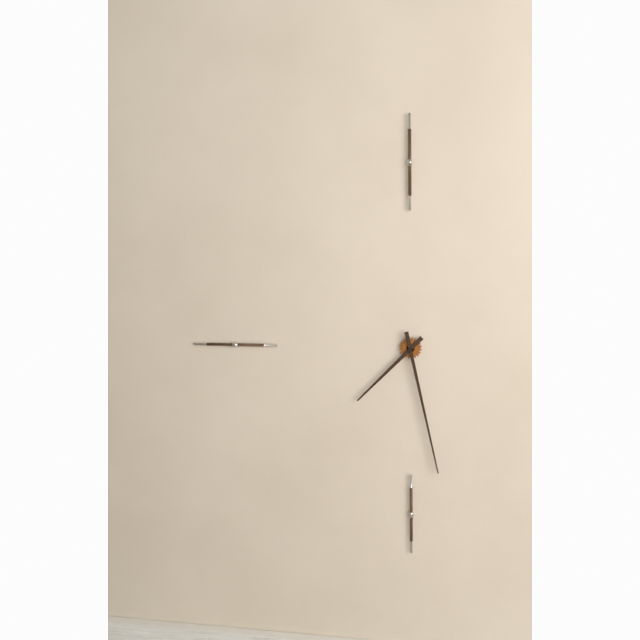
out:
{"hour": 7, "minute": 28}
